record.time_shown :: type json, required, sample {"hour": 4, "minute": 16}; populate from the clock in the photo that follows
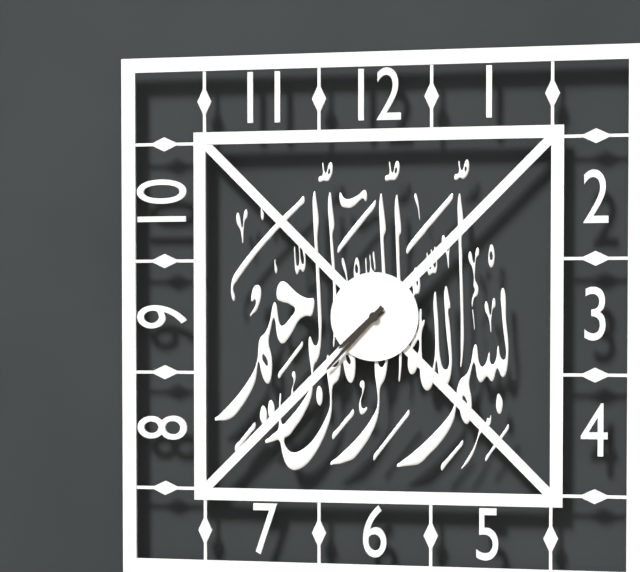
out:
{"hour": 7, "minute": 37}
